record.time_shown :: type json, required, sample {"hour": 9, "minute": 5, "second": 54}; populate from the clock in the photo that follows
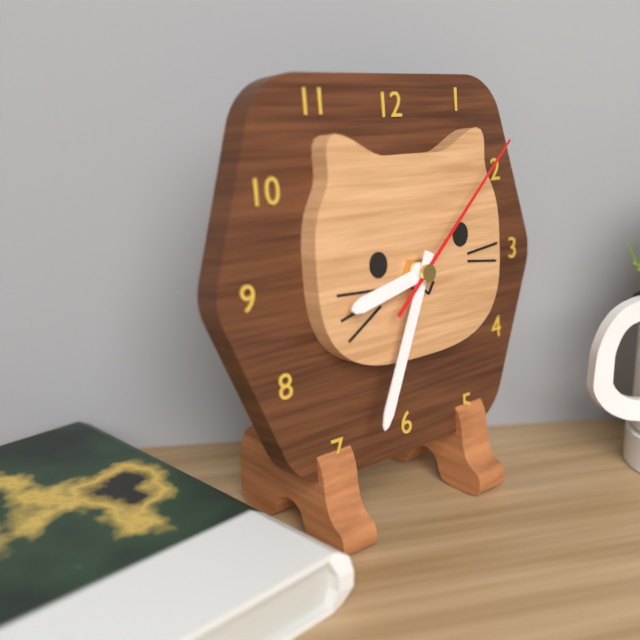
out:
{"hour": 8, "minute": 34, "second": 8}
